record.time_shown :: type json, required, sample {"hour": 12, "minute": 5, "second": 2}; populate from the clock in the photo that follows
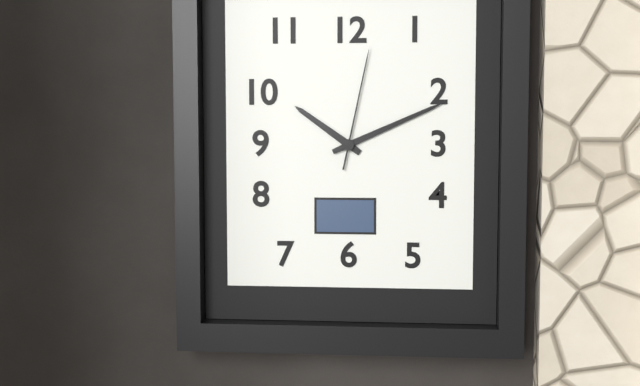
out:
{"hour": 10, "minute": 11, "second": 2}
